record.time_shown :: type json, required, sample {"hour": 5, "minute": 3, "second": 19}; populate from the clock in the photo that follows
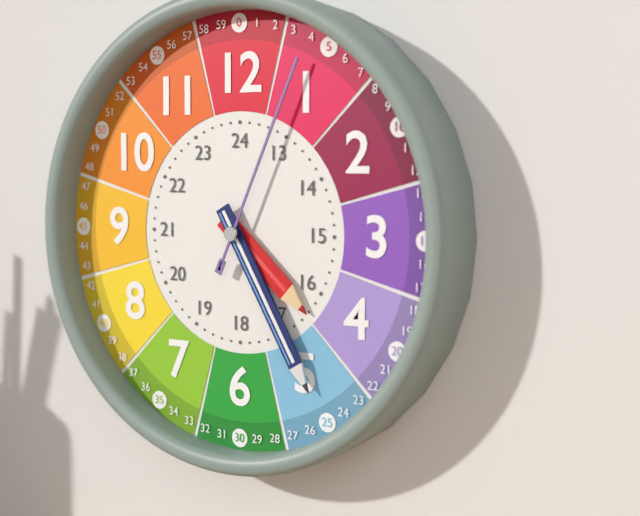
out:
{"hour": 4, "minute": 25, "second": 4}
